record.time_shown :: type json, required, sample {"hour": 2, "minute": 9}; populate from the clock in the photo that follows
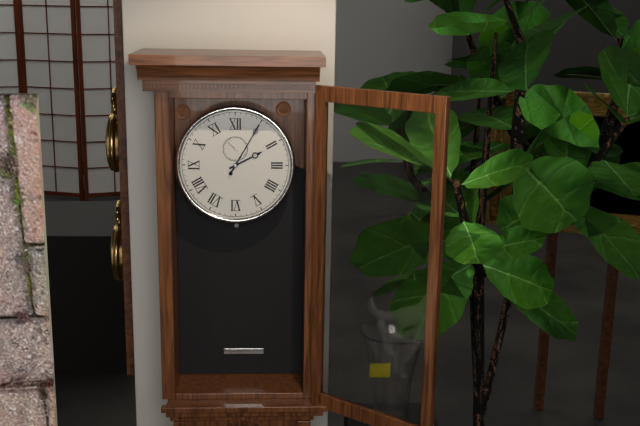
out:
{"hour": 2, "minute": 5}
